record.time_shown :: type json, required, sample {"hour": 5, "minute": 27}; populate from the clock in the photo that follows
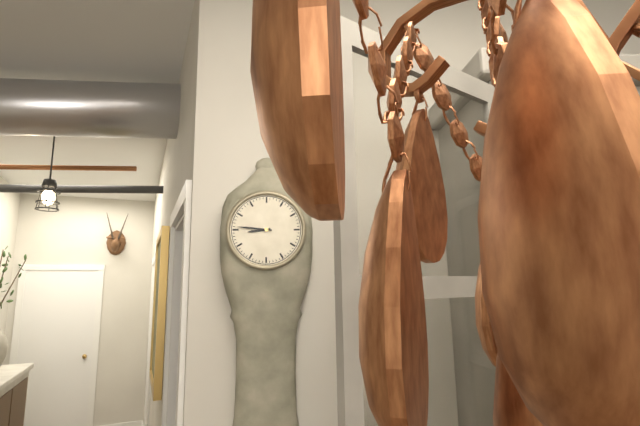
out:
{"hour": 8, "minute": 46}
